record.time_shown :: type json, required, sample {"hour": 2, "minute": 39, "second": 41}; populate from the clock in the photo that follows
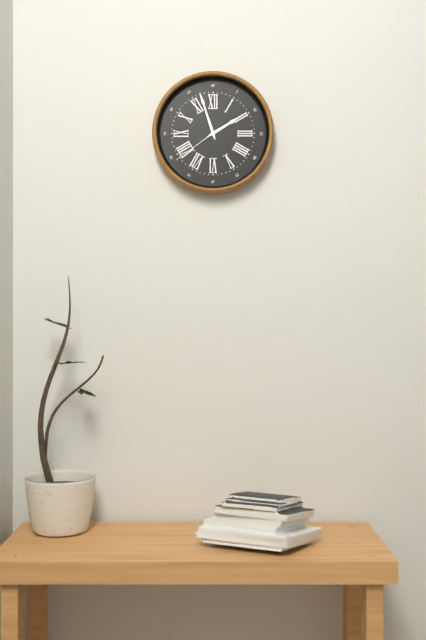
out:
{"hour": 1, "minute": 57, "second": 39}
